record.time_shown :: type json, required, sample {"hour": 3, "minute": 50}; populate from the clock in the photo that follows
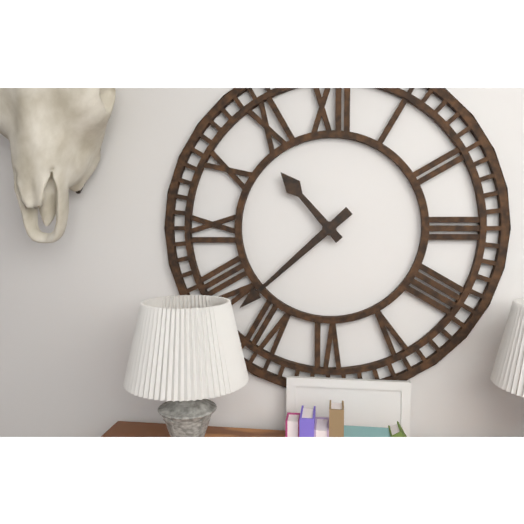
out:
{"hour": 10, "minute": 38}
